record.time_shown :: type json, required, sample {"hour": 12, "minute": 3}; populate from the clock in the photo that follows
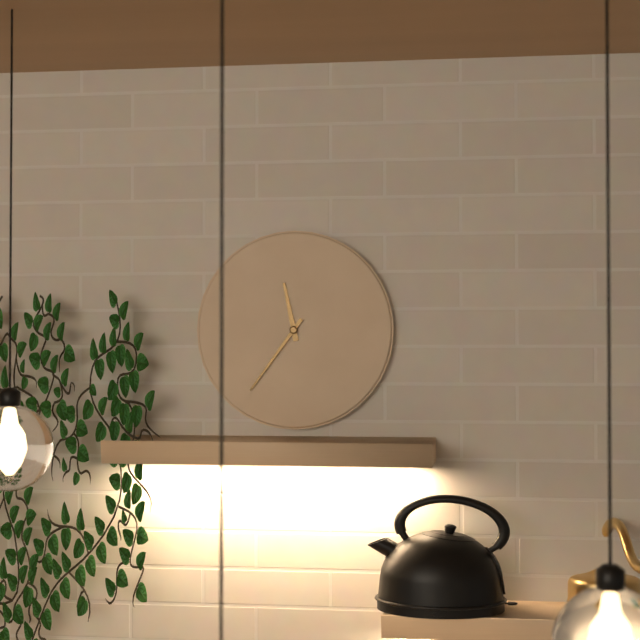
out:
{"hour": 11, "minute": 36}
